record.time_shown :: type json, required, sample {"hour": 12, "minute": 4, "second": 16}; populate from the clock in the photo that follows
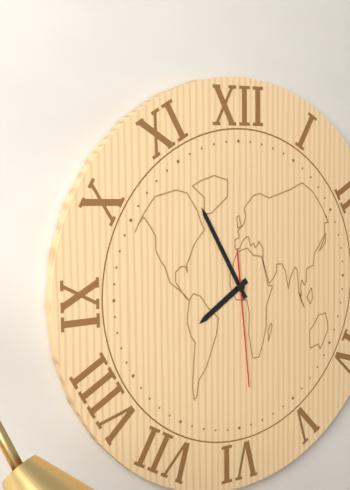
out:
{"hour": 7, "minute": 55, "second": 29}
